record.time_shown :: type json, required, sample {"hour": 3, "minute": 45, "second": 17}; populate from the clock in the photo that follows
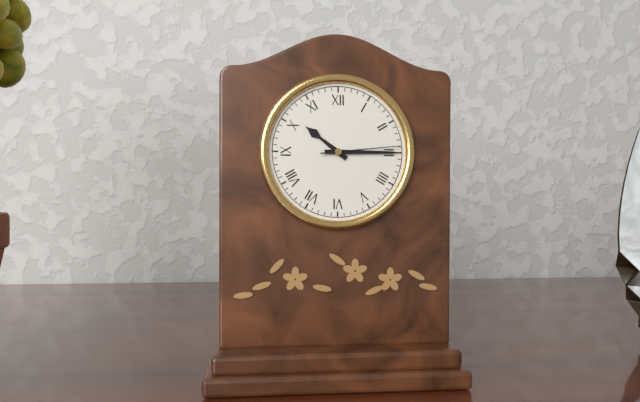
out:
{"hour": 10, "minute": 15, "second": 14}
